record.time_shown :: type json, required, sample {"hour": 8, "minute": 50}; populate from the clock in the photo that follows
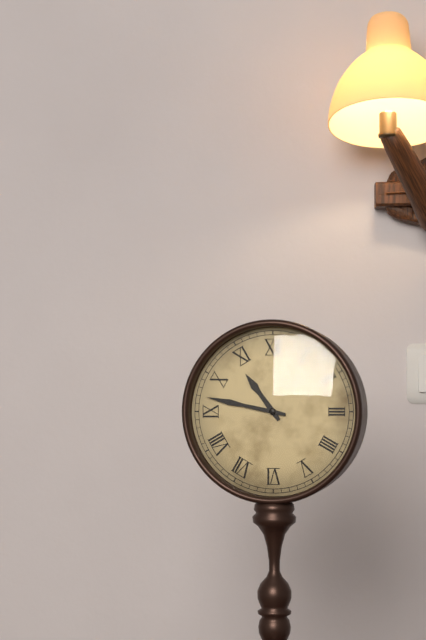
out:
{"hour": 10, "minute": 47}
